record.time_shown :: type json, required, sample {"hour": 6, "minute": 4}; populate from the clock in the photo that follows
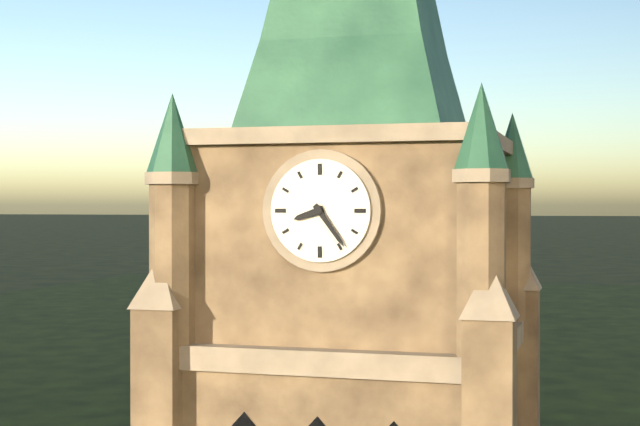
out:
{"hour": 8, "minute": 24}
